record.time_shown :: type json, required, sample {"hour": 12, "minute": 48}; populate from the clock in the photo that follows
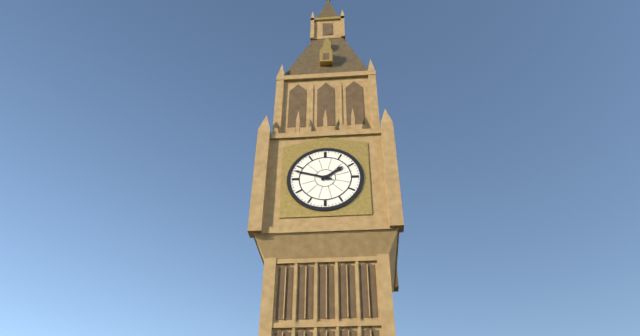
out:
{"hour": 1, "minute": 48}
